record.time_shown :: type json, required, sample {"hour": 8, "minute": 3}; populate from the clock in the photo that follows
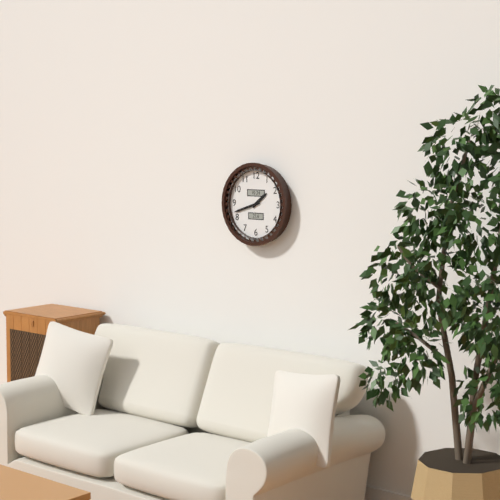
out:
{"hour": 1, "minute": 42}
